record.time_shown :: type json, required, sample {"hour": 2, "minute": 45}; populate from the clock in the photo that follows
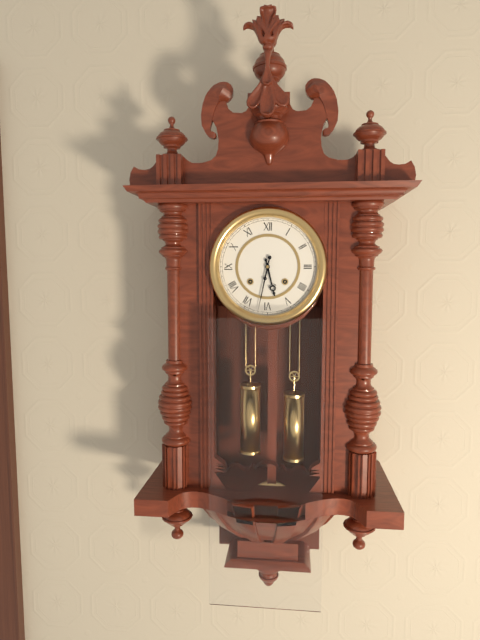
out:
{"hour": 5, "minute": 32}
